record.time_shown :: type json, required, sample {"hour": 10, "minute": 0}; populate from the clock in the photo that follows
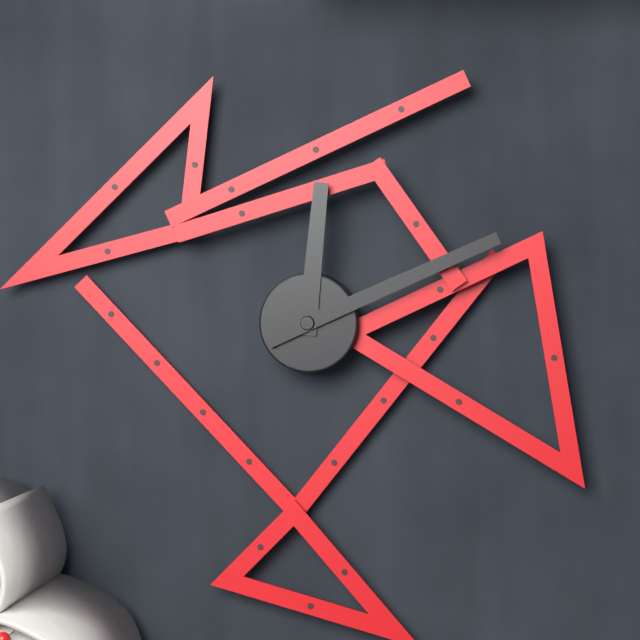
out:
{"hour": 12, "minute": 11}
